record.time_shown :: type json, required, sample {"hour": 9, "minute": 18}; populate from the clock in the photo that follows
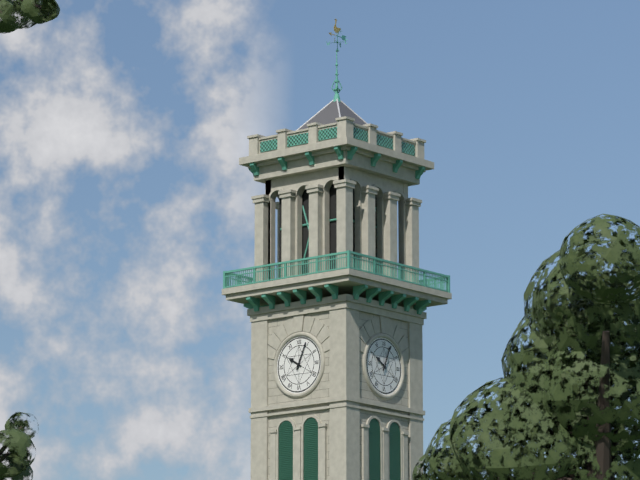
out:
{"hour": 10, "minute": 4}
